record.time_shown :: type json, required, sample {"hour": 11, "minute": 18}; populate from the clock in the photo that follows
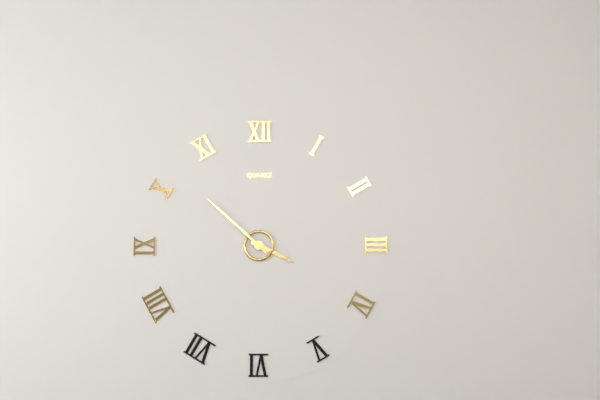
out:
{"hour": 3, "minute": 52}
